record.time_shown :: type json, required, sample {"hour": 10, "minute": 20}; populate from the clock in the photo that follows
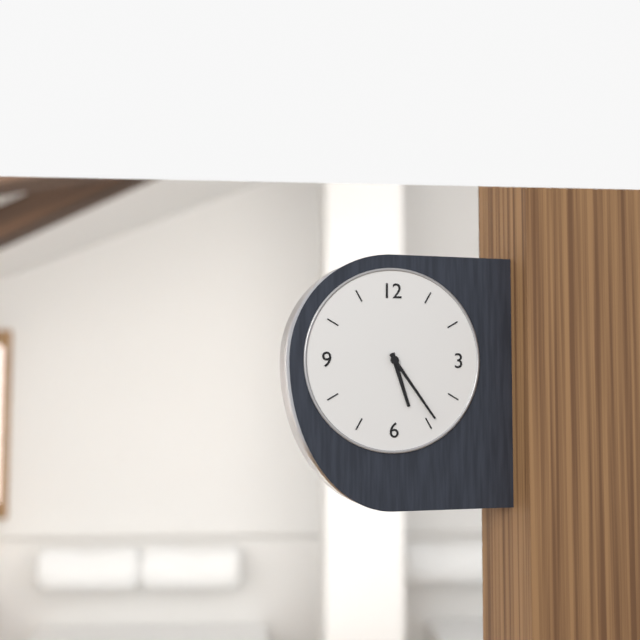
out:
{"hour": 5, "minute": 24}
